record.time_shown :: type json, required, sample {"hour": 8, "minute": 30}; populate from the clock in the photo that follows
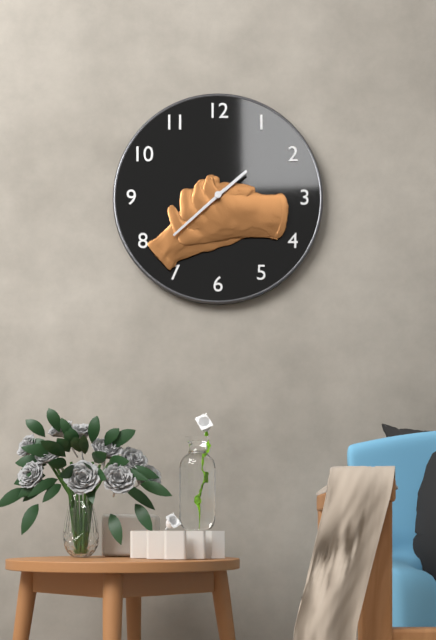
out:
{"hour": 1, "minute": 38}
